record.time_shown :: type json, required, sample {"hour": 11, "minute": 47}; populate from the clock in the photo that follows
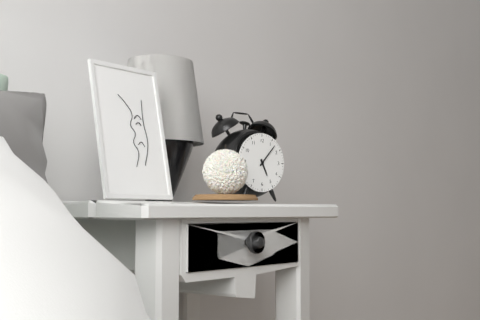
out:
{"hour": 5, "minute": 7}
